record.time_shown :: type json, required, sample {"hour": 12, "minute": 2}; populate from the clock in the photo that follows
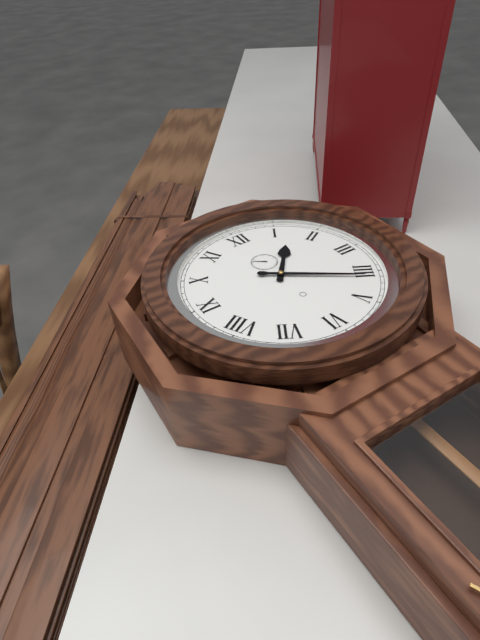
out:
{"hour": 1, "minute": 21}
